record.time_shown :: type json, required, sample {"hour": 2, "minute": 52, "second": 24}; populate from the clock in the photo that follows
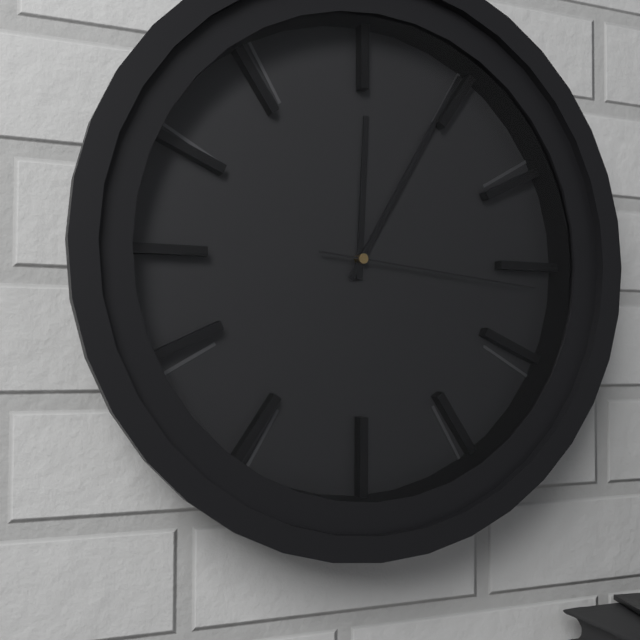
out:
{"hour": 12, "minute": 5, "second": 16}
